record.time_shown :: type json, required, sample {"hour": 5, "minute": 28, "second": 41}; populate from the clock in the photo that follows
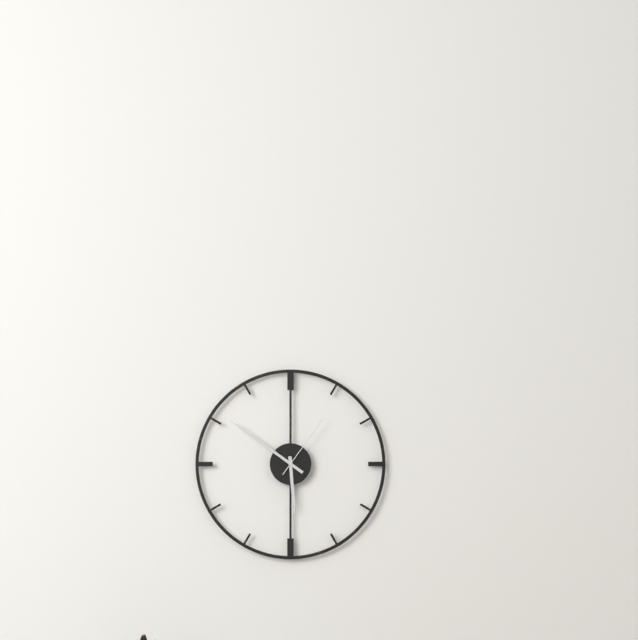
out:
{"hour": 5, "minute": 51, "second": 6}
